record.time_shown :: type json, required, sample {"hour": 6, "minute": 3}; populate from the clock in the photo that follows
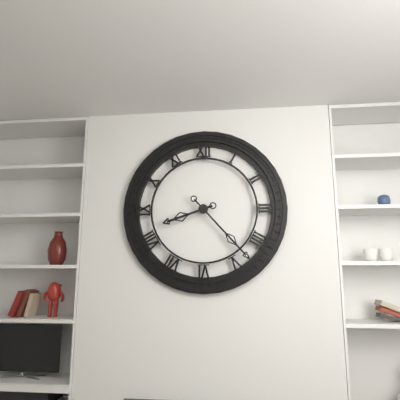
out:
{"hour": 8, "minute": 23}
